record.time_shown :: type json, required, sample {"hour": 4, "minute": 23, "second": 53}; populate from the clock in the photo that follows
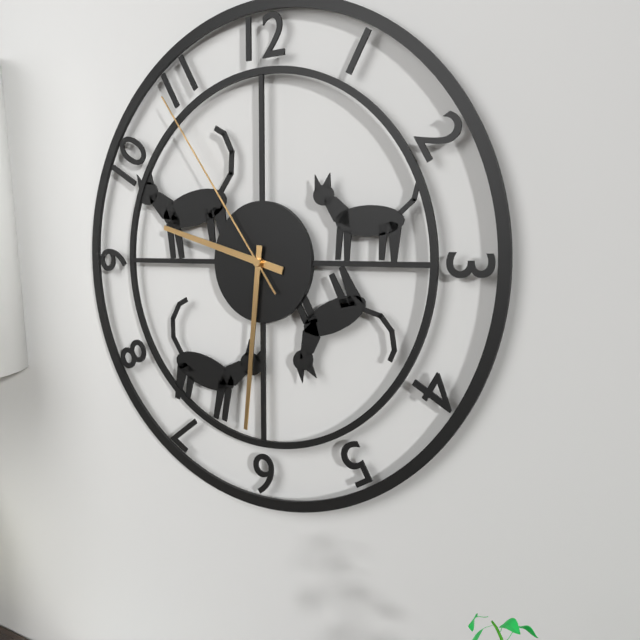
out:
{"hour": 9, "minute": 31, "second": 54}
